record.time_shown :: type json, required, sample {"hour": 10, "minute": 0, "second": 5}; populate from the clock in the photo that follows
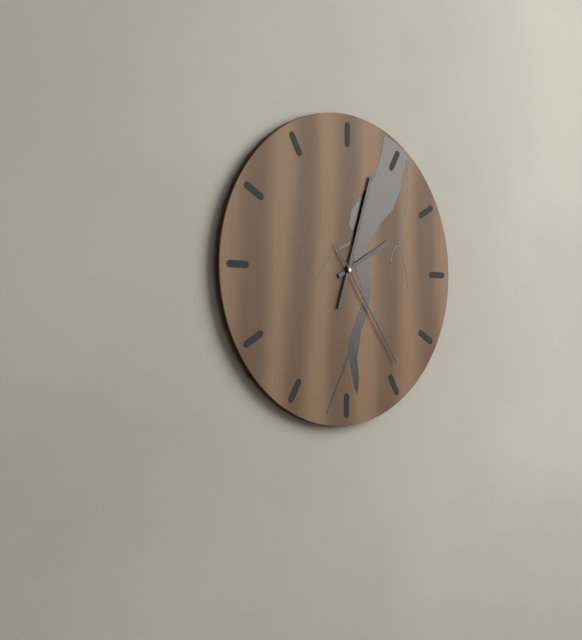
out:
{"hour": 2, "minute": 3, "second": 24}
